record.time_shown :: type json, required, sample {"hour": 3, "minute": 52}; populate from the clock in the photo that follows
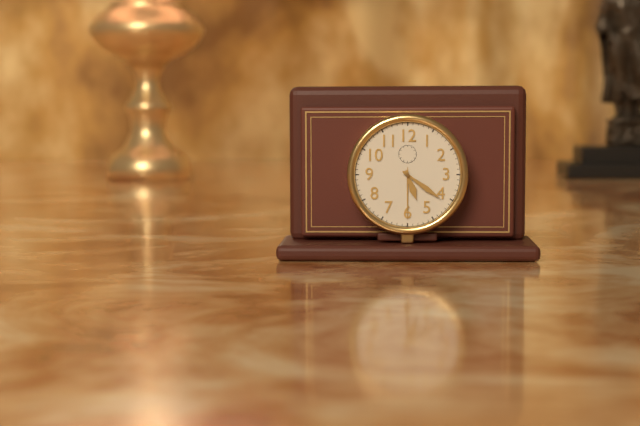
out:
{"hour": 5, "minute": 21}
